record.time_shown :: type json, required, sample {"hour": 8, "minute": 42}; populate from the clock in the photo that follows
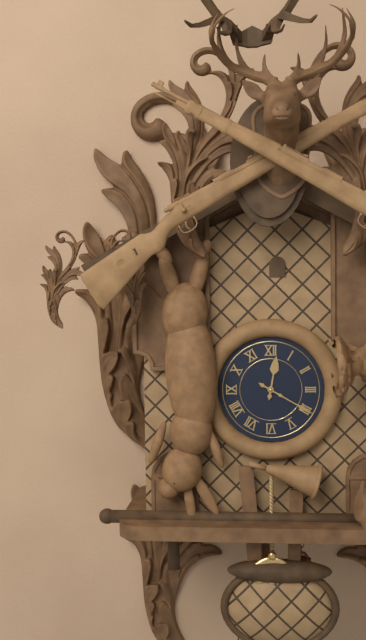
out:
{"hour": 12, "minute": 20}
